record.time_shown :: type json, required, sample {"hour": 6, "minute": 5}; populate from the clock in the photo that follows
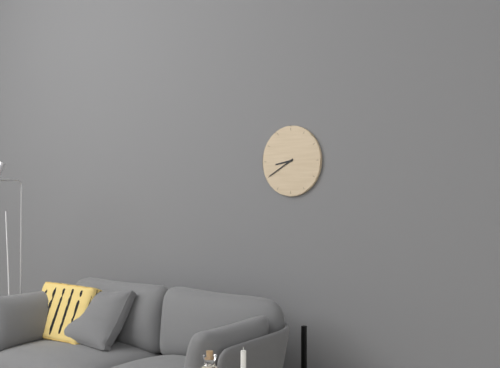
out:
{"hour": 8, "minute": 40}
